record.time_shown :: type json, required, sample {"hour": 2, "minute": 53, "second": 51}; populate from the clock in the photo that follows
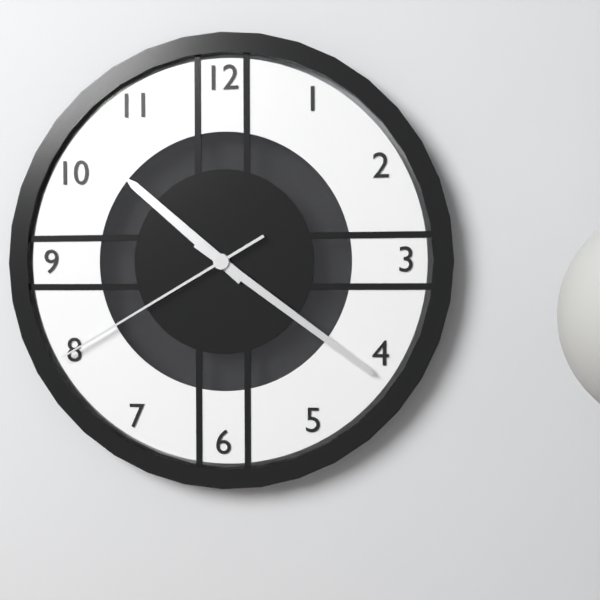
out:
{"hour": 10, "minute": 21, "second": 40}
